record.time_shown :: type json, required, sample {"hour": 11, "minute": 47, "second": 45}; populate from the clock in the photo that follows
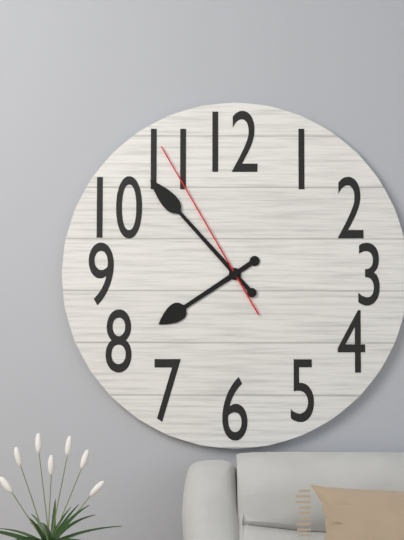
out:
{"hour": 7, "minute": 53, "second": 55}
